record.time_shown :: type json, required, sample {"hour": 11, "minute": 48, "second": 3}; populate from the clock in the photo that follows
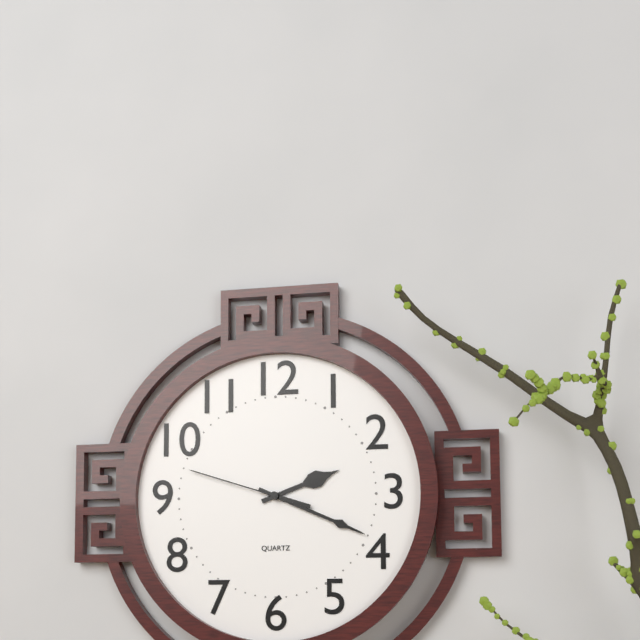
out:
{"hour": 2, "minute": 19, "second": 48}
